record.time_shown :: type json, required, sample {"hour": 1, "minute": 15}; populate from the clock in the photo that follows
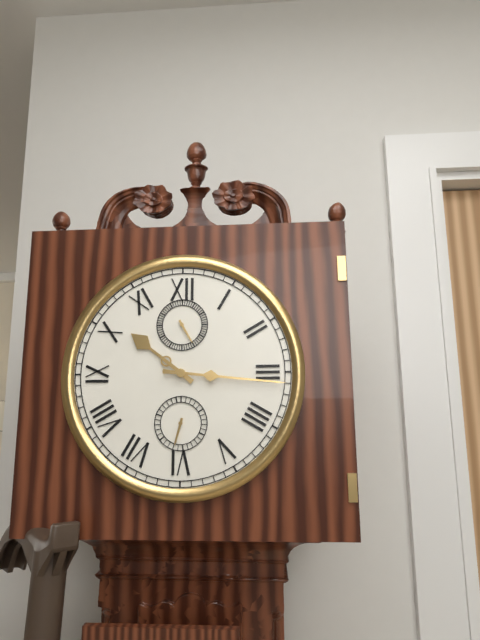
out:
{"hour": 10, "minute": 16}
